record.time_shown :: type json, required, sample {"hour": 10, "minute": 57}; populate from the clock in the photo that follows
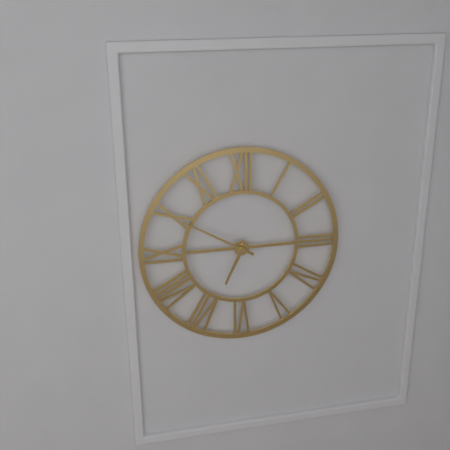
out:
{"hour": 6, "minute": 50}
